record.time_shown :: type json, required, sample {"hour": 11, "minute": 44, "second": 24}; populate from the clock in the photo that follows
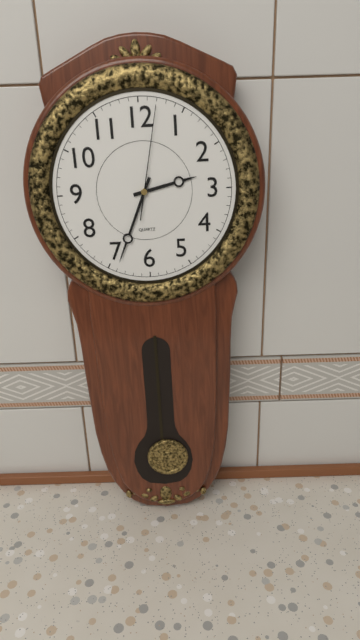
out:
{"hour": 2, "minute": 34, "second": 2}
